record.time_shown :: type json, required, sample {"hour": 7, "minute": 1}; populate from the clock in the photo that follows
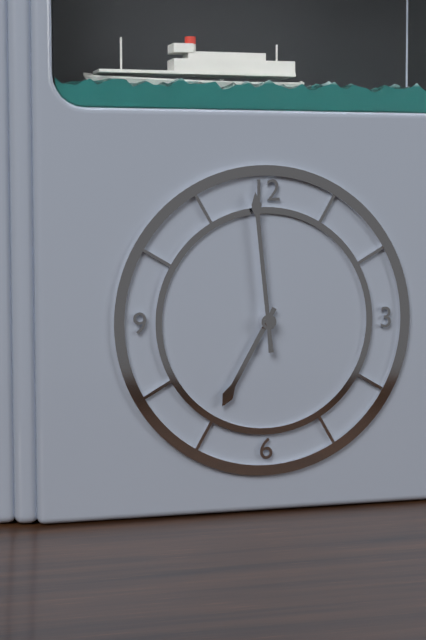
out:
{"hour": 6, "minute": 59}
